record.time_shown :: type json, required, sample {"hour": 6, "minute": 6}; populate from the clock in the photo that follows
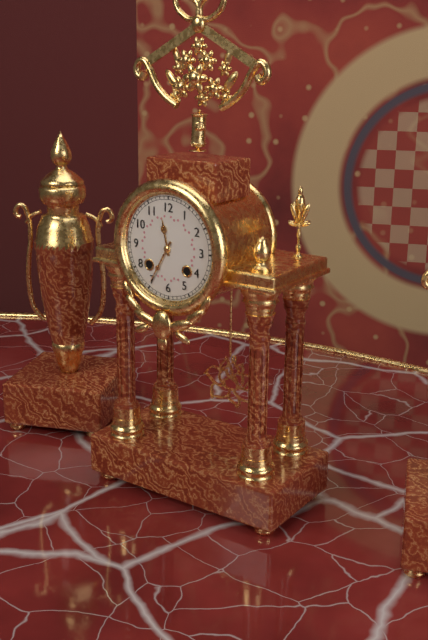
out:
{"hour": 11, "minute": 35}
